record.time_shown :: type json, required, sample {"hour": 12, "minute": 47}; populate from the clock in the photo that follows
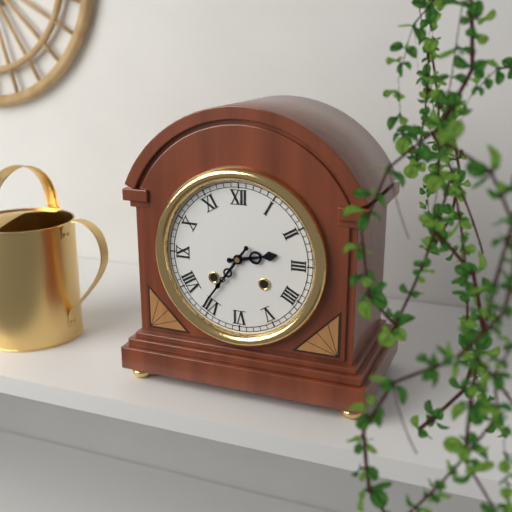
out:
{"hour": 2, "minute": 36}
